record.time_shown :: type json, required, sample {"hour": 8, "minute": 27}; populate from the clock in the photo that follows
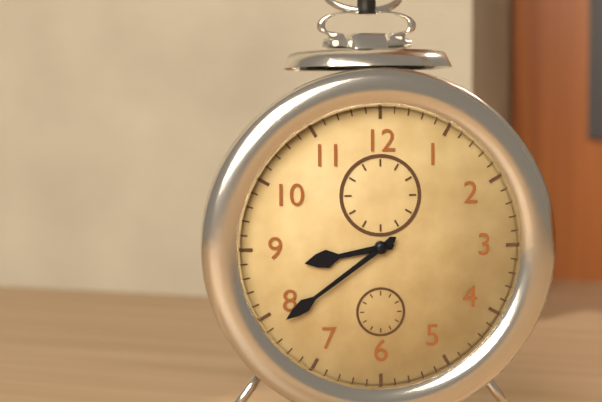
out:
{"hour": 8, "minute": 39}
